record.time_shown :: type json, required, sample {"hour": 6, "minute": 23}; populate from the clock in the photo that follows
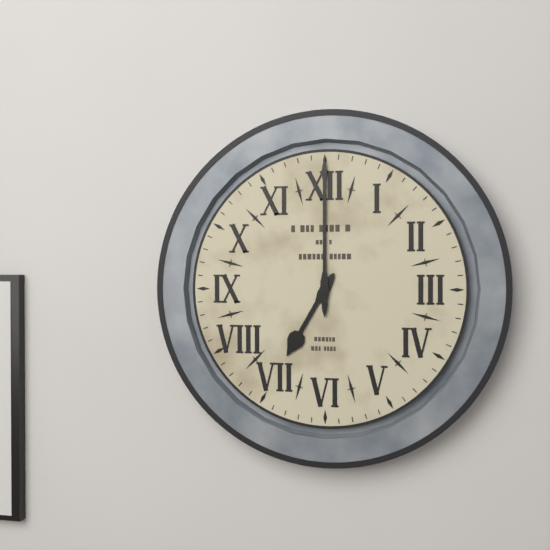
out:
{"hour": 7, "minute": 0}
